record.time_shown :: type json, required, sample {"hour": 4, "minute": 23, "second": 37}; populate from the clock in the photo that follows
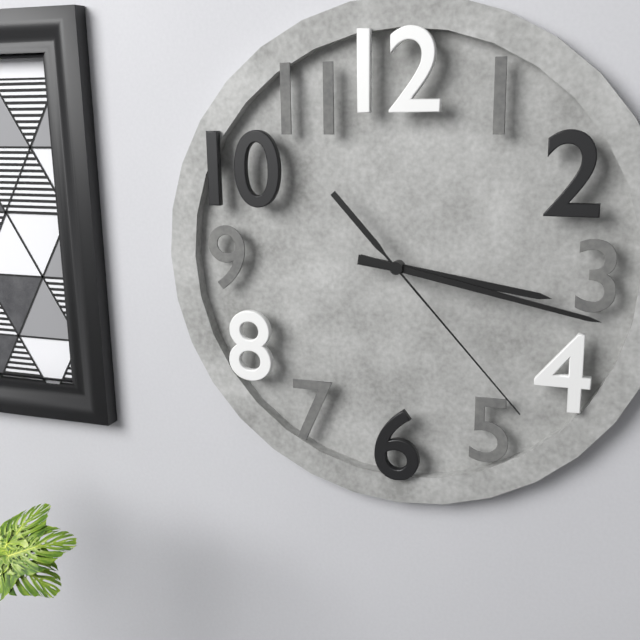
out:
{"hour": 3, "minute": 17, "second": 23}
